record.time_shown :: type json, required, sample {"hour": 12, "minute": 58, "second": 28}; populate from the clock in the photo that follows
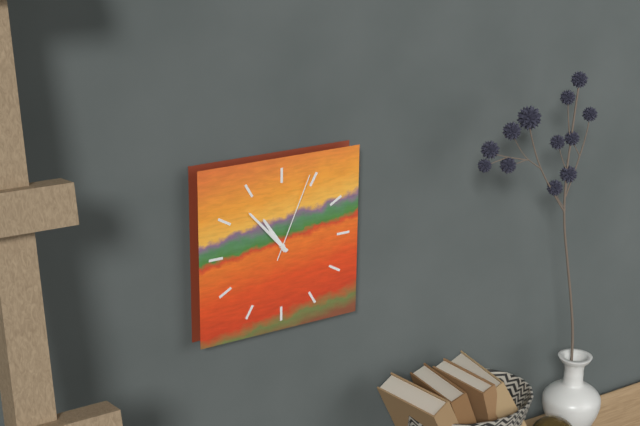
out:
{"hour": 10, "minute": 53, "second": 4}
